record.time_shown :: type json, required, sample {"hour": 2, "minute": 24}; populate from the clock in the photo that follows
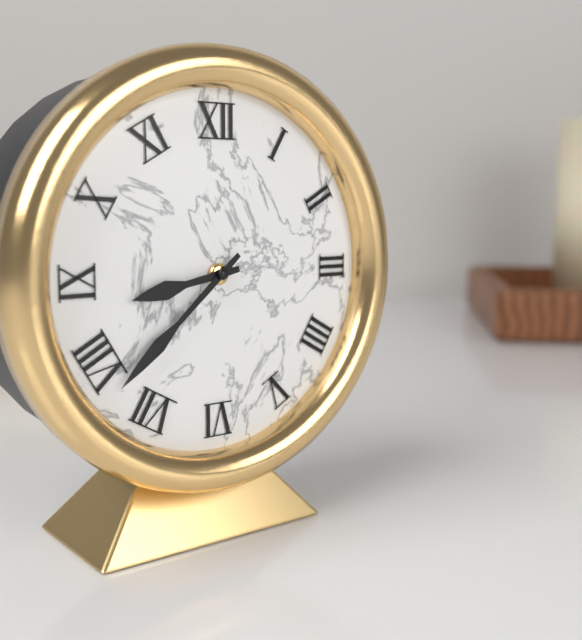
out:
{"hour": 8, "minute": 38}
